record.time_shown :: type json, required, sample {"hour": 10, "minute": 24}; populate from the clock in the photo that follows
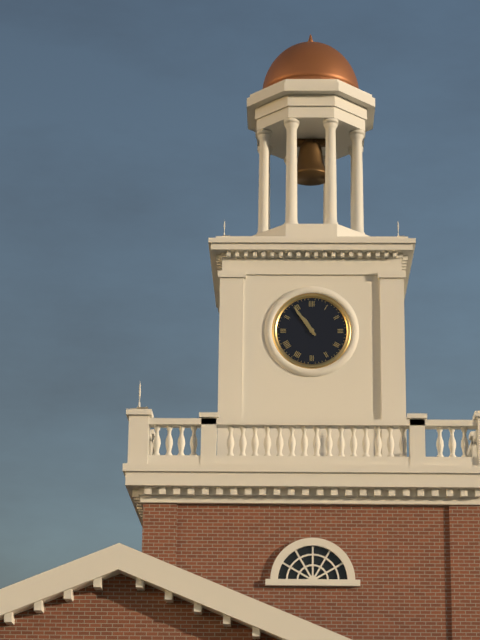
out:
{"hour": 10, "minute": 54}
